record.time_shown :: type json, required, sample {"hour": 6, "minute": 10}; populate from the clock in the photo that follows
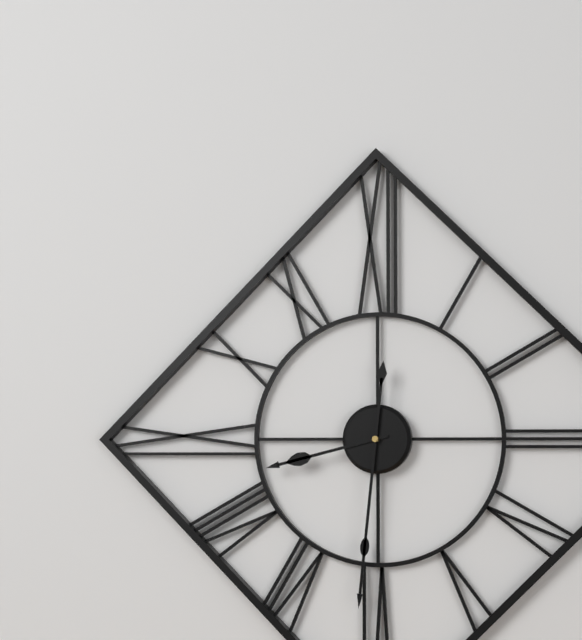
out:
{"hour": 8, "minute": 31}
